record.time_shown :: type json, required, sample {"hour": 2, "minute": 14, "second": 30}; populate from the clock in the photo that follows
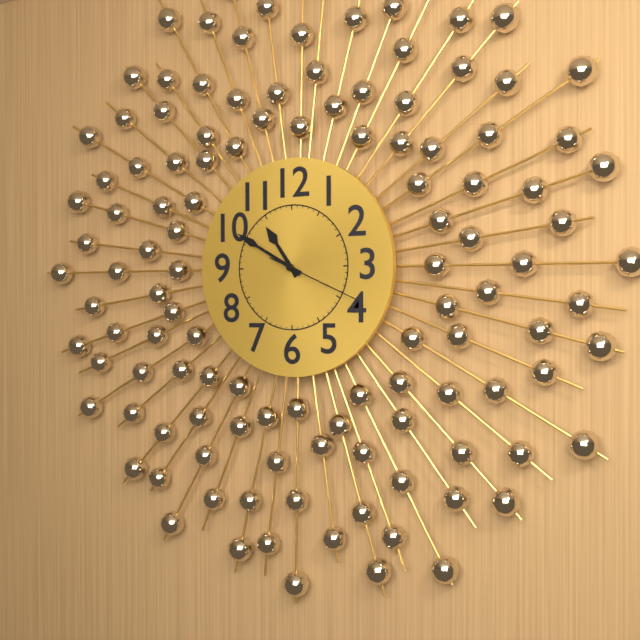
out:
{"hour": 10, "minute": 50, "second": 19}
